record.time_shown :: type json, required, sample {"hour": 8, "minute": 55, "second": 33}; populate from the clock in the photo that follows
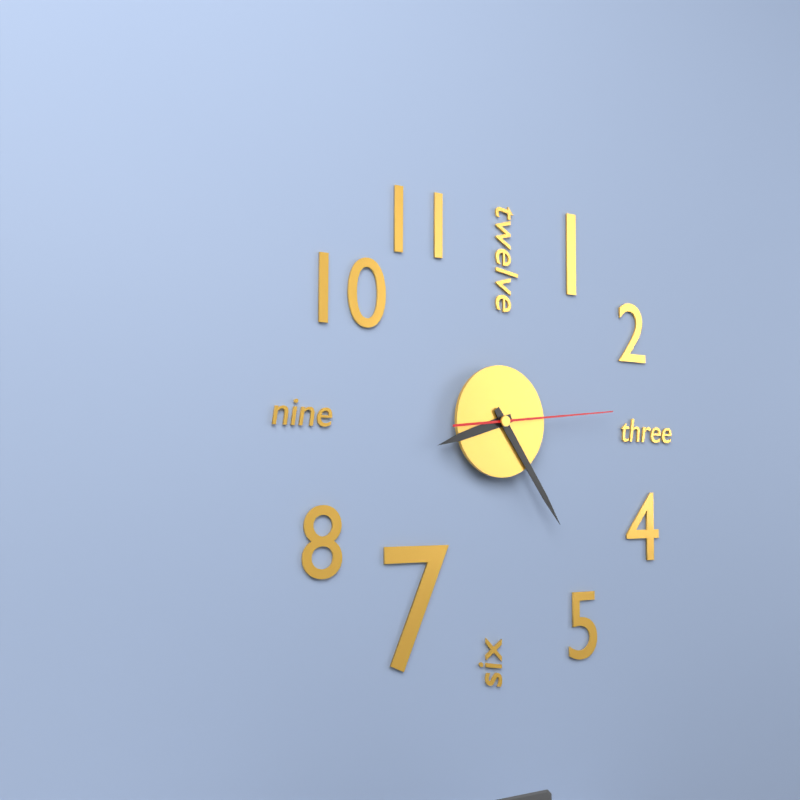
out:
{"hour": 8, "minute": 24, "second": 14}
